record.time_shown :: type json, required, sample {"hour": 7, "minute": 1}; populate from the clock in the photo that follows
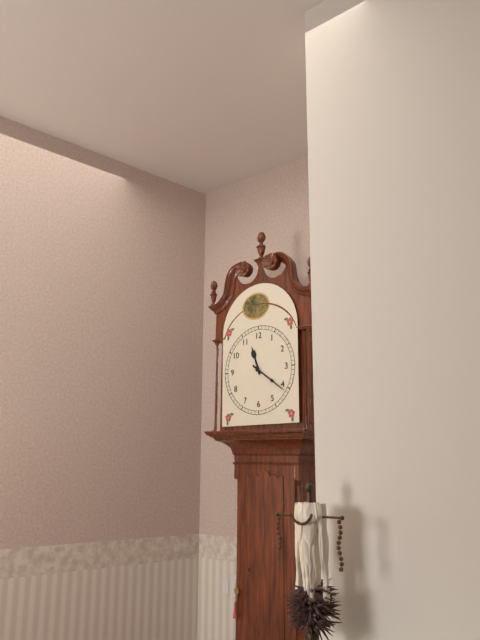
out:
{"hour": 11, "minute": 21}
